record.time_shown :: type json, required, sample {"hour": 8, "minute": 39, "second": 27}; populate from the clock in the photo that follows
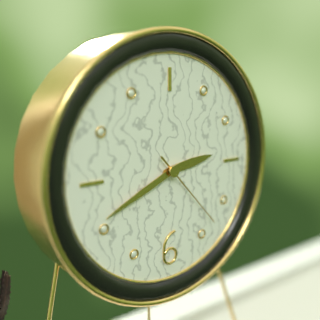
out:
{"hour": 2, "minute": 41, "second": 23}
